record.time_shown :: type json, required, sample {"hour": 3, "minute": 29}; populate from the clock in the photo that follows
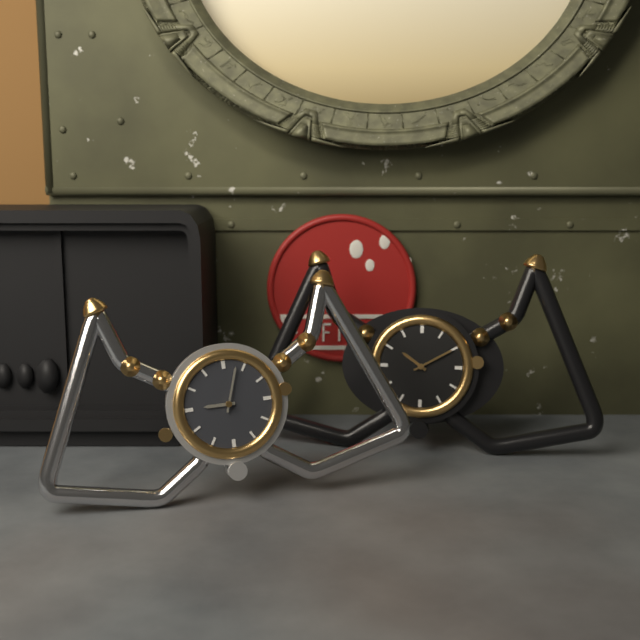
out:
{"hour": 9, "minute": 3}
